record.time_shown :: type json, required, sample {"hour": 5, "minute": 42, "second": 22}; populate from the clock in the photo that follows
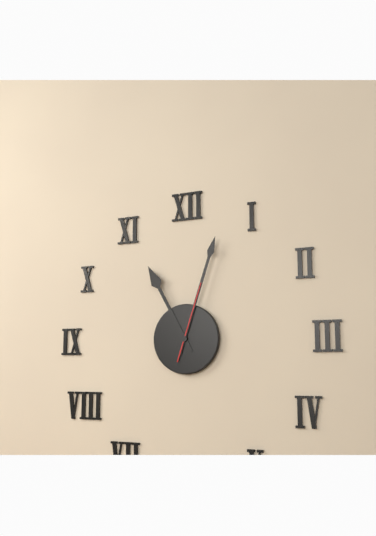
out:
{"hour": 11, "minute": 3, "second": 3}
